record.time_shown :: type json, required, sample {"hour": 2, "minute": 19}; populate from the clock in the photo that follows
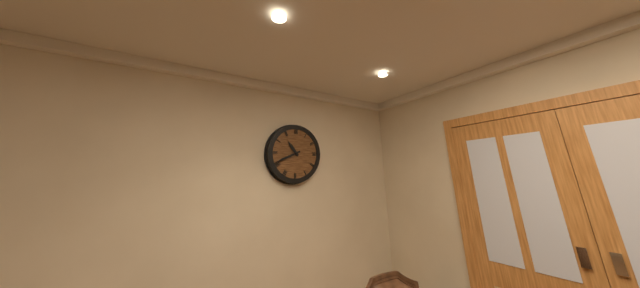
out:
{"hour": 10, "minute": 41}
